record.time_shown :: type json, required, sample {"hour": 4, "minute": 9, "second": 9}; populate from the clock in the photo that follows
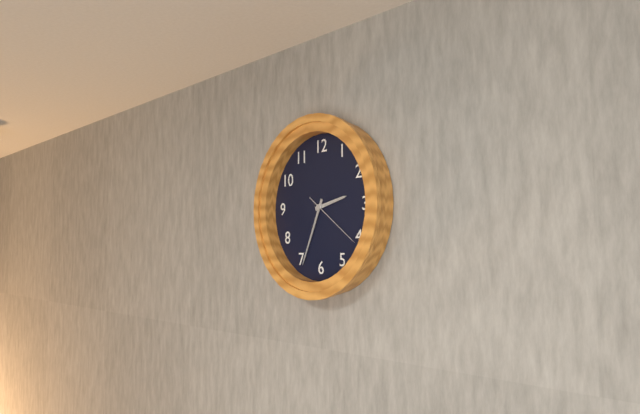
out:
{"hour": 2, "minute": 34, "second": 21}
